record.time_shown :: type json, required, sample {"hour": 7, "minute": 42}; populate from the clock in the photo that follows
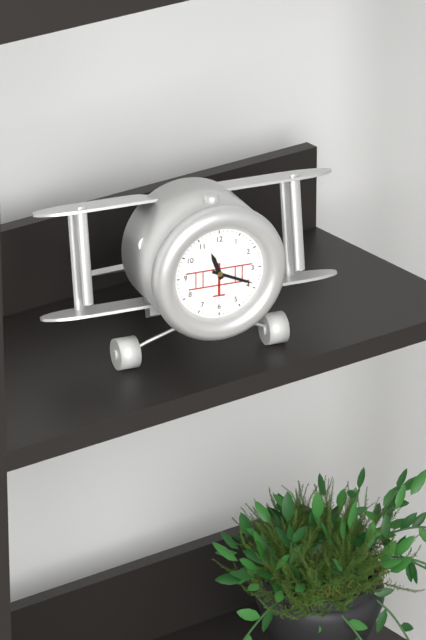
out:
{"hour": 11, "minute": 19}
